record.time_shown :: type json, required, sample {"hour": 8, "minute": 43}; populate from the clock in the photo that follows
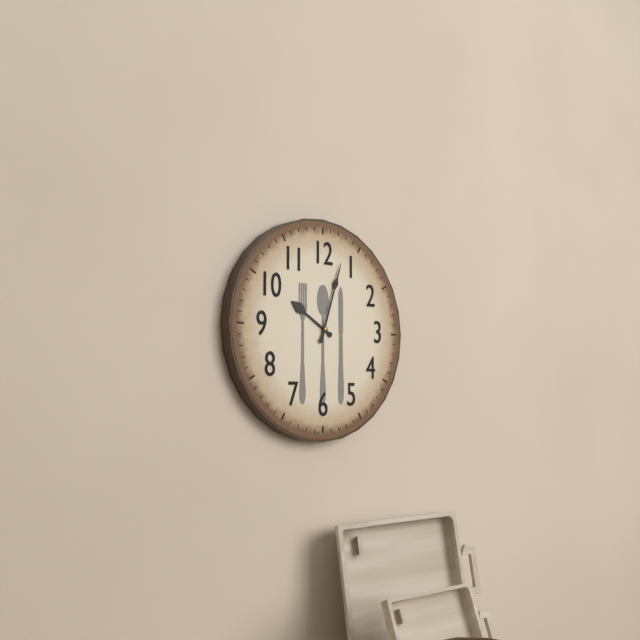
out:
{"hour": 10, "minute": 3}
